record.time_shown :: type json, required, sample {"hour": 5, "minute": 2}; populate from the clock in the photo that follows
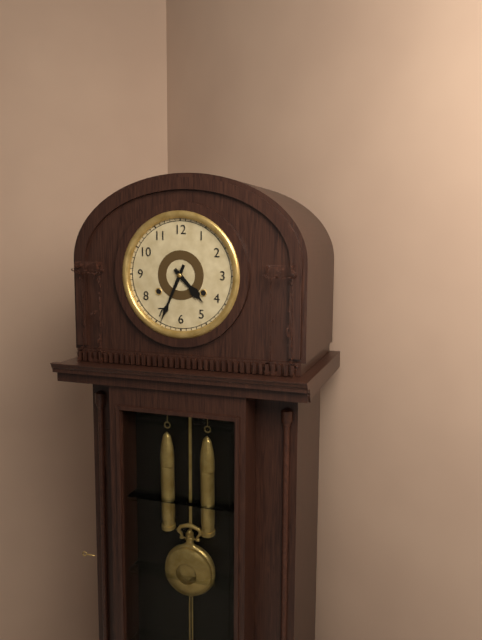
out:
{"hour": 4, "minute": 34}
